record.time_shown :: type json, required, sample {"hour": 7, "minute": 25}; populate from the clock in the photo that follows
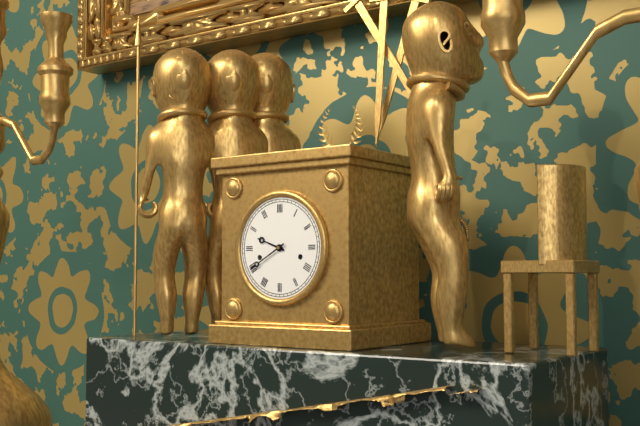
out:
{"hour": 9, "minute": 40}
